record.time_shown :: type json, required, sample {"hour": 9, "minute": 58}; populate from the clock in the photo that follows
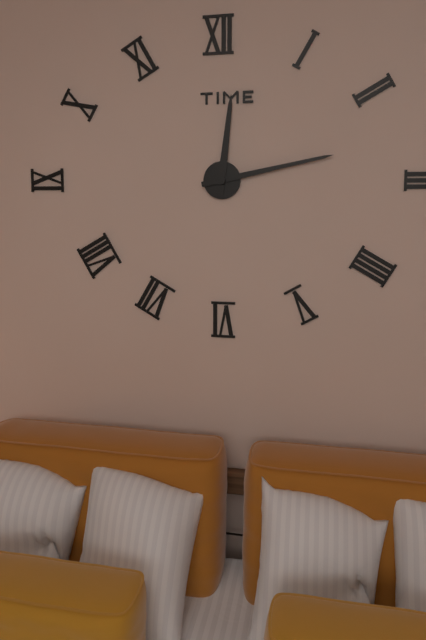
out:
{"hour": 12, "minute": 13}
